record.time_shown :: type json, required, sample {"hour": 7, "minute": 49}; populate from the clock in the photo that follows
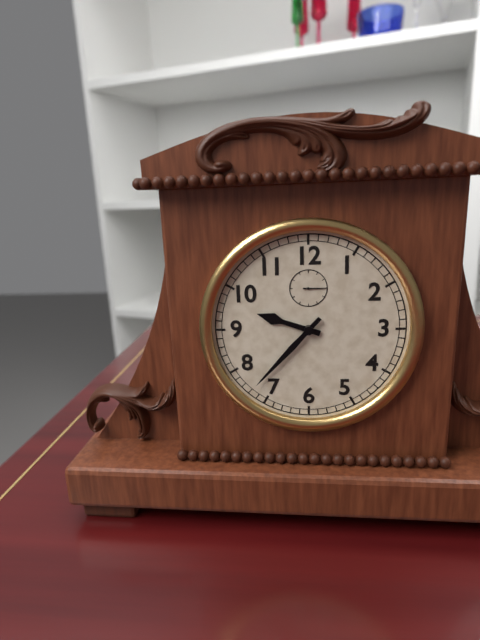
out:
{"hour": 9, "minute": 37}
